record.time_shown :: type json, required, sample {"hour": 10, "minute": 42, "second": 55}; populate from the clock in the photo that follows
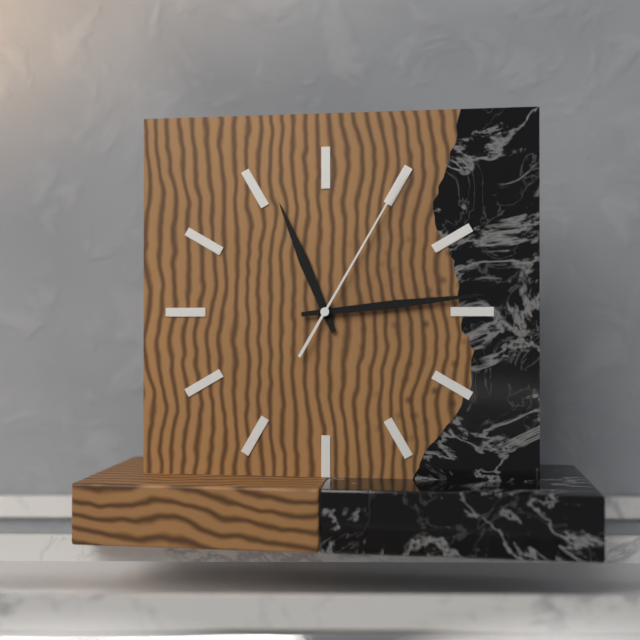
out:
{"hour": 11, "minute": 14, "second": 5}
